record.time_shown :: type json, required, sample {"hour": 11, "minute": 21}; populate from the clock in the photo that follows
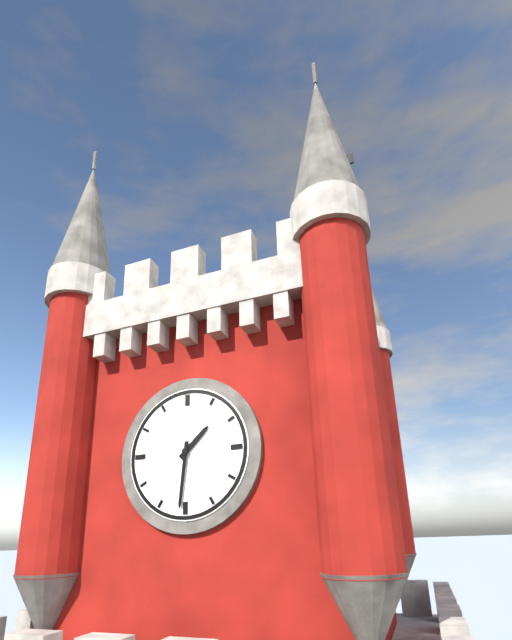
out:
{"hour": 1, "minute": 31}
